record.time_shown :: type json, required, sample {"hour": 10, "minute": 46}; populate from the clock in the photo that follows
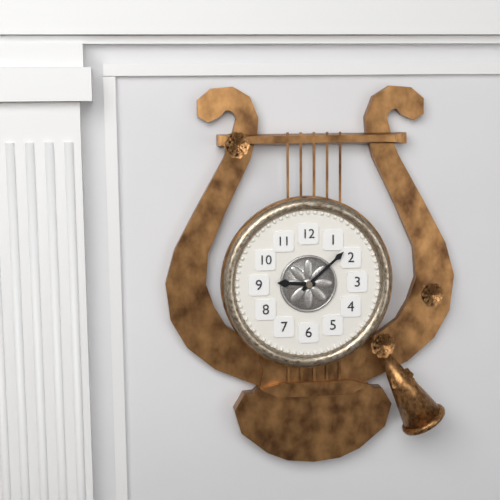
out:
{"hour": 9, "minute": 8}
